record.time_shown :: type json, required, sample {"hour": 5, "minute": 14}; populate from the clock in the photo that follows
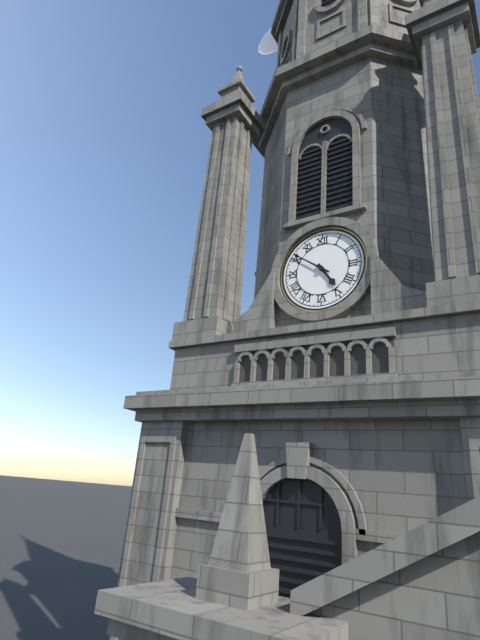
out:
{"hour": 4, "minute": 51}
